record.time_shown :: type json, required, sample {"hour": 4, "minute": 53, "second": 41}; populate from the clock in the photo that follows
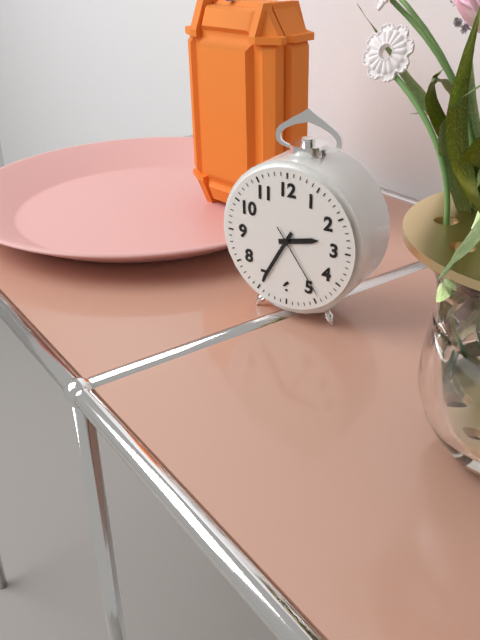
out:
{"hour": 2, "minute": 35, "second": 24}
